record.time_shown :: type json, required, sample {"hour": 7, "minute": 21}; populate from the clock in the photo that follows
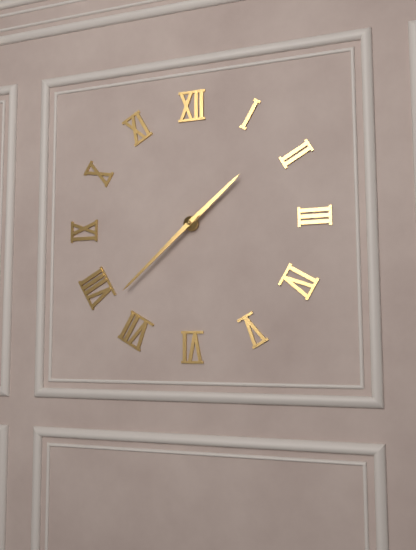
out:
{"hour": 1, "minute": 38}
